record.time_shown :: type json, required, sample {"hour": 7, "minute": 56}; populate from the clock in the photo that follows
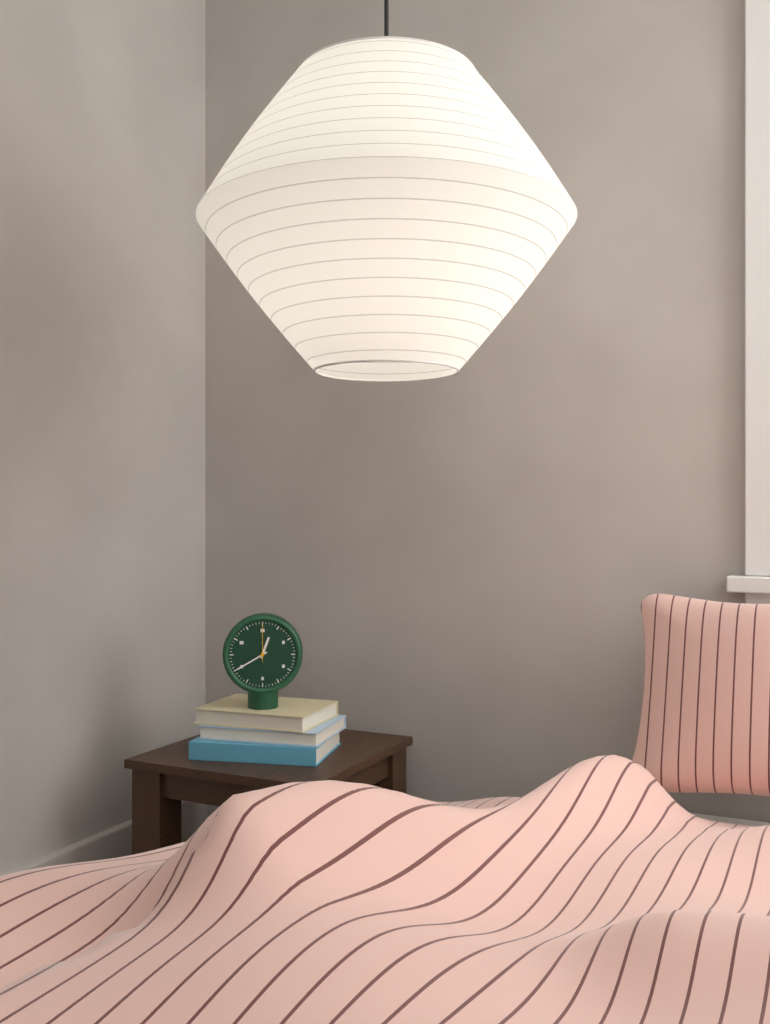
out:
{"hour": 12, "minute": 40}
